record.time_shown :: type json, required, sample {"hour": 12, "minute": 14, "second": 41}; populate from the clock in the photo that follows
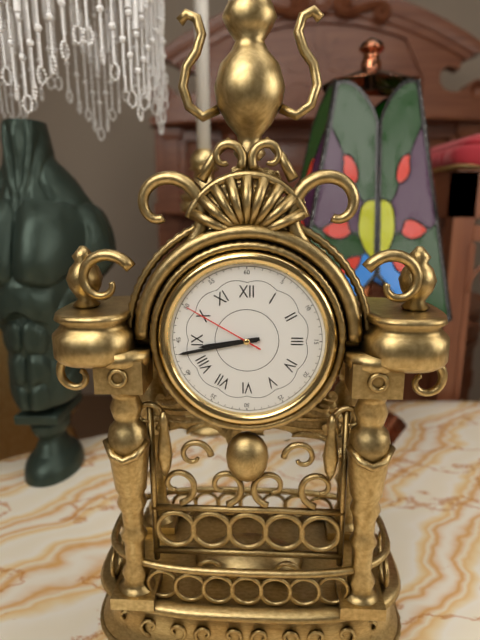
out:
{"hour": 8, "minute": 43, "second": 50}
